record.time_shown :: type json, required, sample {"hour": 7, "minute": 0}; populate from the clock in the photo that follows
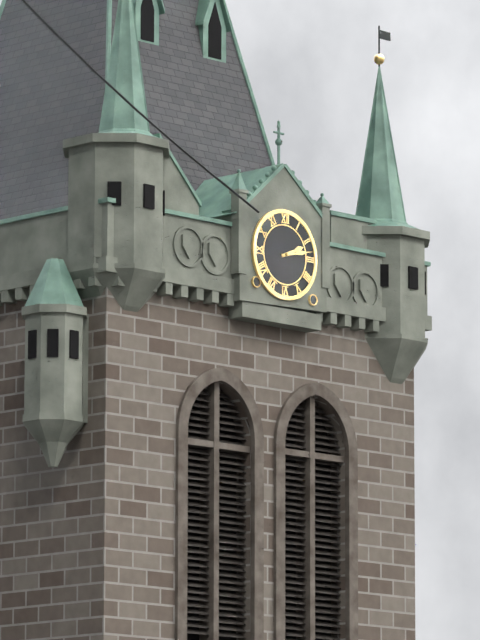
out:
{"hour": 2, "minute": 13}
